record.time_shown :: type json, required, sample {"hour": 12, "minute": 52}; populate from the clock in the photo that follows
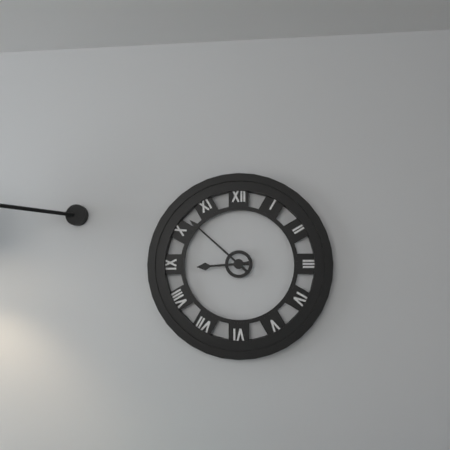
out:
{"hour": 8, "minute": 52}
